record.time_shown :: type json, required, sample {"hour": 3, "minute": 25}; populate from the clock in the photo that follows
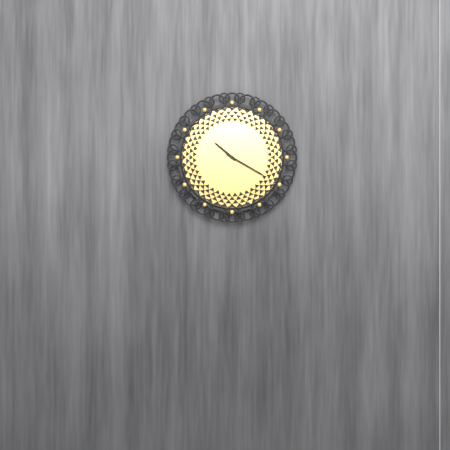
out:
{"hour": 10, "minute": 20}
